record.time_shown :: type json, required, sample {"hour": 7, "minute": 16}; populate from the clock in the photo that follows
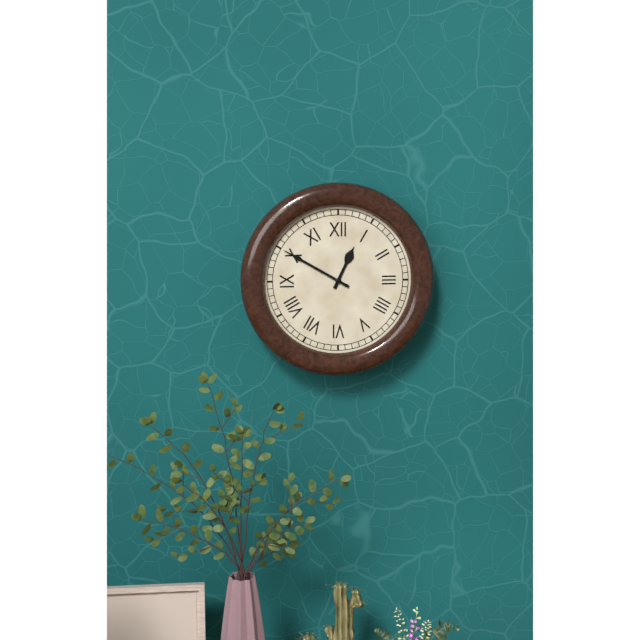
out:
{"hour": 12, "minute": 50}
